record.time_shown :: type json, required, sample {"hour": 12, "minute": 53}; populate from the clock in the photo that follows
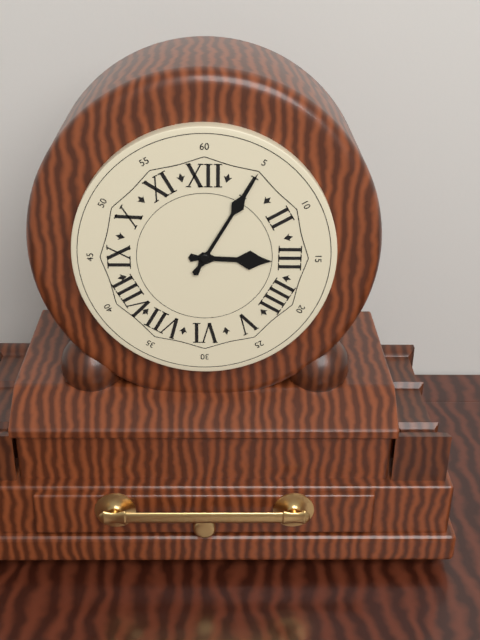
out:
{"hour": 3, "minute": 5}
